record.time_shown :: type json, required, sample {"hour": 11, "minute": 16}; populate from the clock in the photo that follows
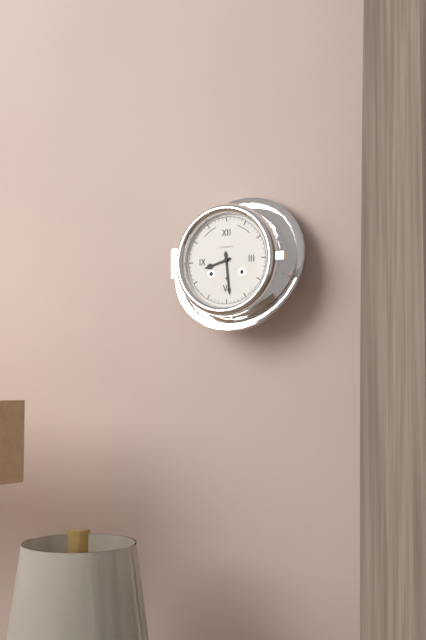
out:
{"hour": 8, "minute": 29}
